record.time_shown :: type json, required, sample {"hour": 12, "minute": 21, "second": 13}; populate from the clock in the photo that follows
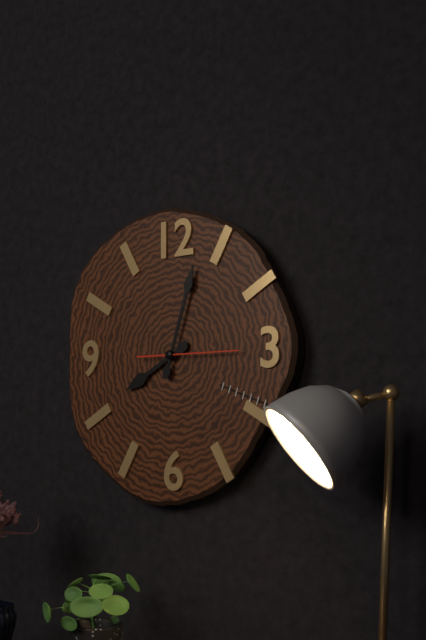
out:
{"hour": 8, "minute": 3, "second": 15}
